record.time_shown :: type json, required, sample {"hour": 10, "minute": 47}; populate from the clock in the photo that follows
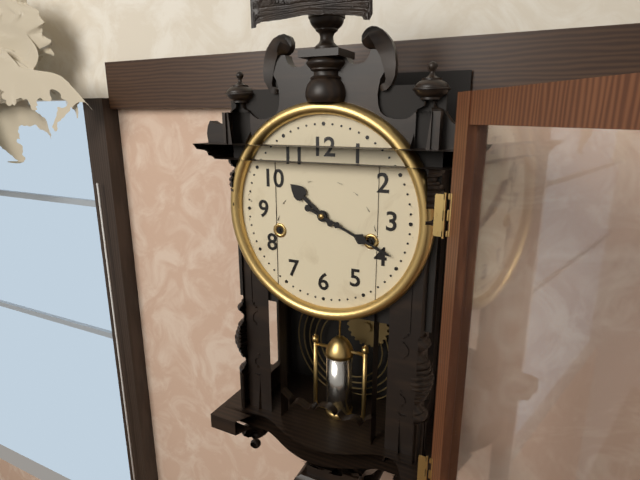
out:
{"hour": 10, "minute": 19}
